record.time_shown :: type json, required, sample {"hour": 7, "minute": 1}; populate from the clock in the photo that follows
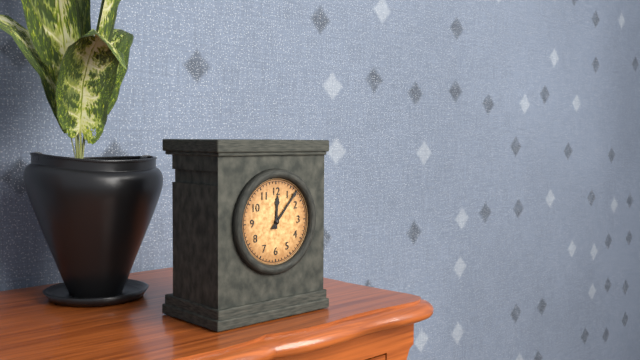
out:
{"hour": 12, "minute": 7}
